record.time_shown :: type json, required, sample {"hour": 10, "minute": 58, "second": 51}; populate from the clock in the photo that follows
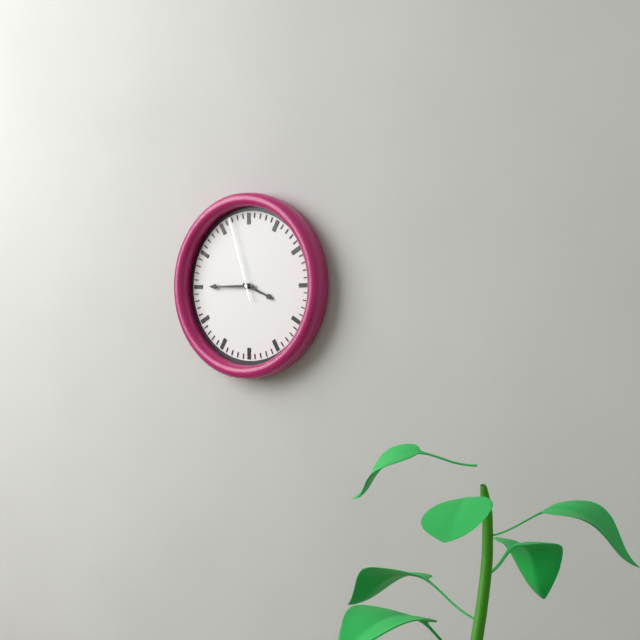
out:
{"hour": 3, "minute": 45, "second": 57}
